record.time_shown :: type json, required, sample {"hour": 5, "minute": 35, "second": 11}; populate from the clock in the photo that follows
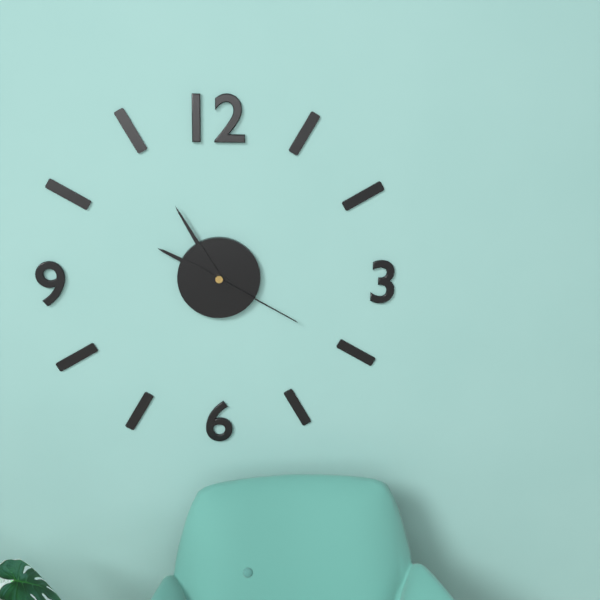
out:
{"hour": 9, "minute": 55, "second": 20}
